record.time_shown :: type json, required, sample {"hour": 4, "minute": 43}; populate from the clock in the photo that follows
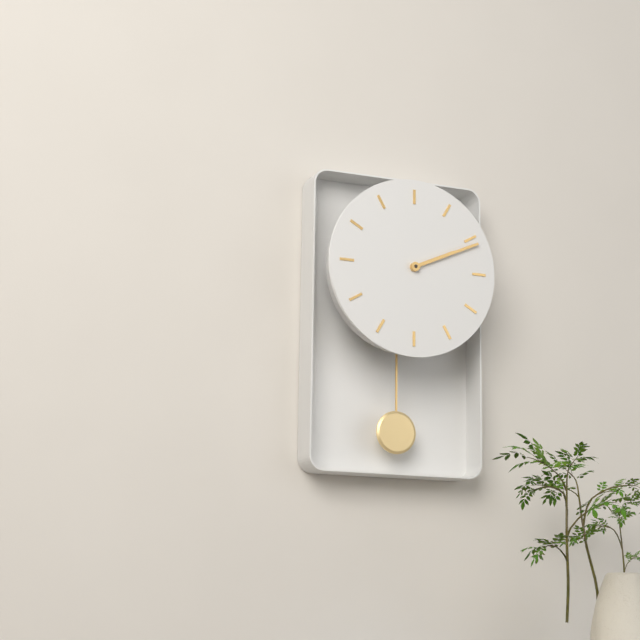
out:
{"hour": 2, "minute": 11}
